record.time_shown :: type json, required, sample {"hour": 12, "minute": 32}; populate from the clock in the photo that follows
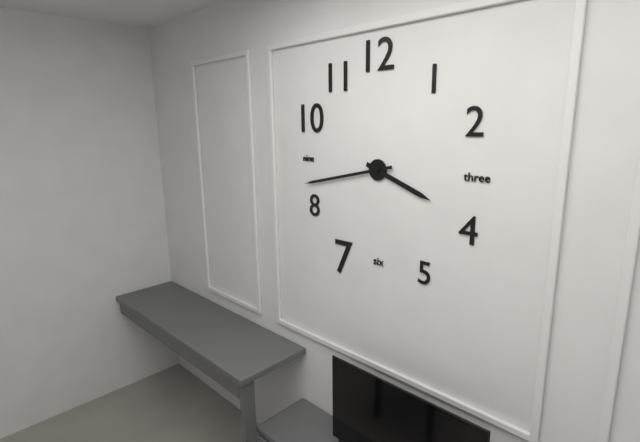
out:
{"hour": 3, "minute": 43}
